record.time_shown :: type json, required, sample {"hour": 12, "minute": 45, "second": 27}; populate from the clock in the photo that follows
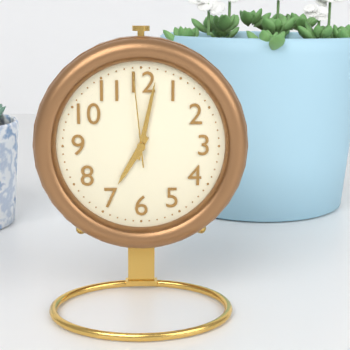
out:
{"hour": 7, "minute": 2, "second": 59}
